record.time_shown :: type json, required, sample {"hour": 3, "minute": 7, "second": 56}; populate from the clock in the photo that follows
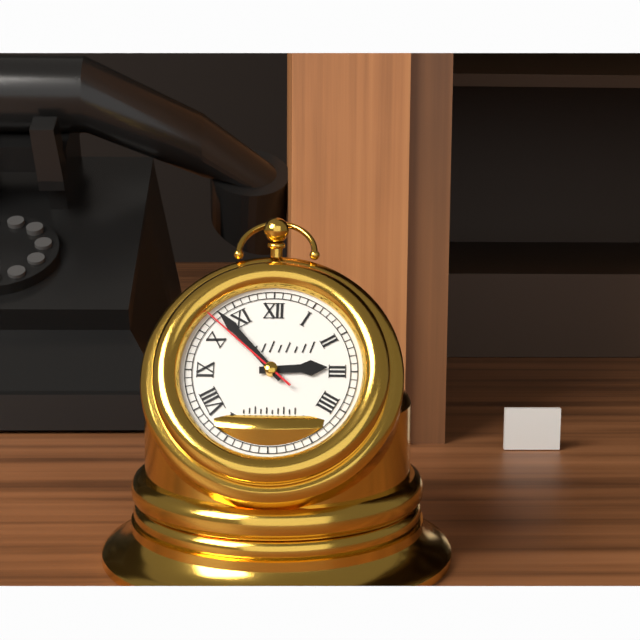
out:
{"hour": 2, "minute": 53, "second": 52}
